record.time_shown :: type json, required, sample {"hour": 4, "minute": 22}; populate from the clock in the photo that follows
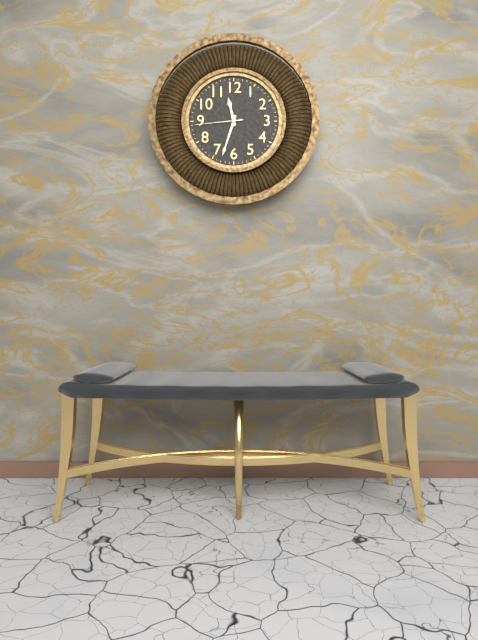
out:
{"hour": 11, "minute": 33}
